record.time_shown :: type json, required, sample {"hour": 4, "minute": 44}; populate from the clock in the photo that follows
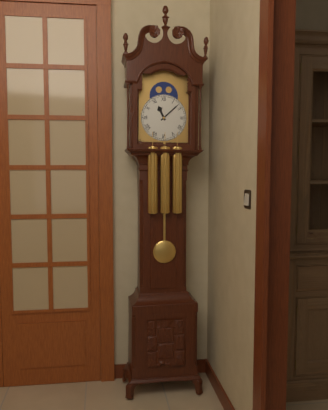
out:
{"hour": 11, "minute": 8}
